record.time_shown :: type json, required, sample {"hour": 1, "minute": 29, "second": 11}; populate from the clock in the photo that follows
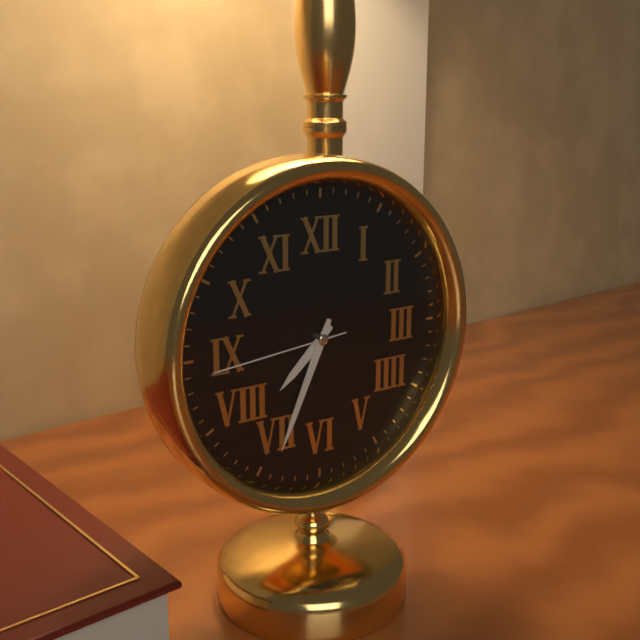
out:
{"hour": 7, "minute": 34, "second": 44}
